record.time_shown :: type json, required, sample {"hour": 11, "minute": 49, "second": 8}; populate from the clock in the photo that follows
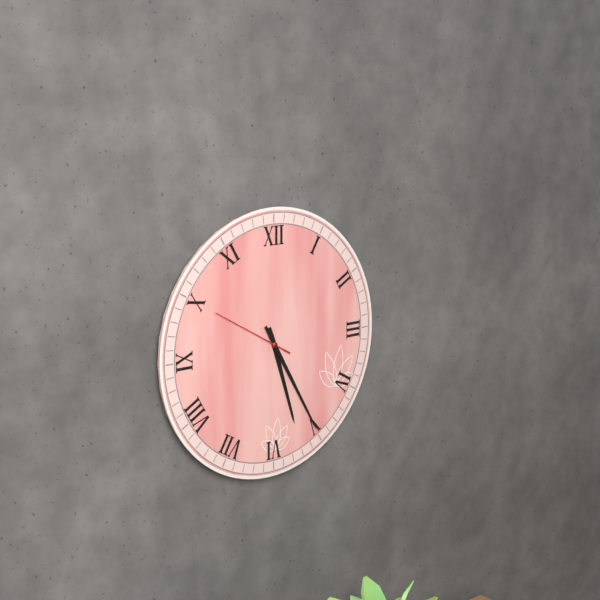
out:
{"hour": 5, "minute": 25, "second": 50}
